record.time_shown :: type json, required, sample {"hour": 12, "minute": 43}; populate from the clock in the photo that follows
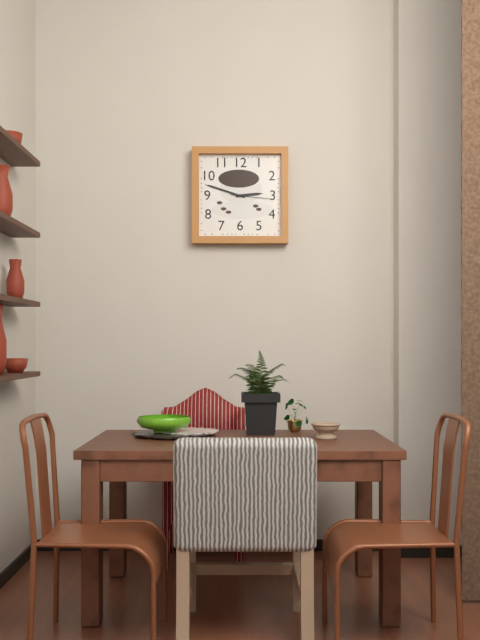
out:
{"hour": 2, "minute": 48}
